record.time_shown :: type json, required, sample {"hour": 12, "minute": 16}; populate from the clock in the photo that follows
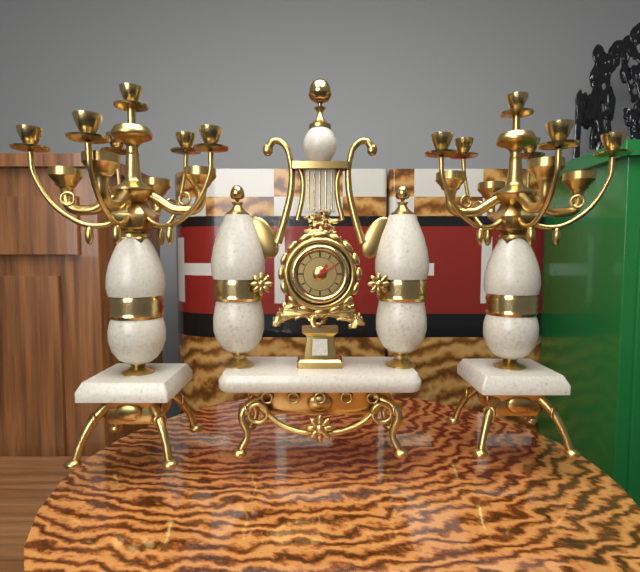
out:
{"hour": 1, "minute": 10}
